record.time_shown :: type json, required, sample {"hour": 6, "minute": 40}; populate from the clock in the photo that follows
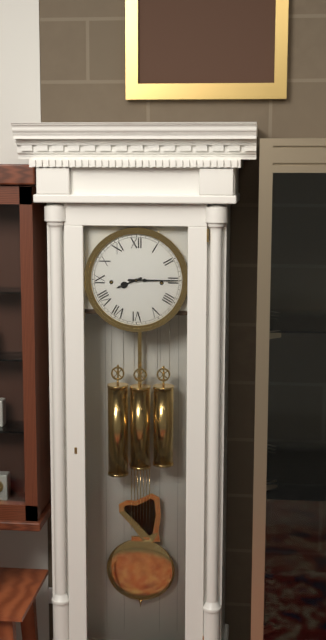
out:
{"hour": 8, "minute": 15}
